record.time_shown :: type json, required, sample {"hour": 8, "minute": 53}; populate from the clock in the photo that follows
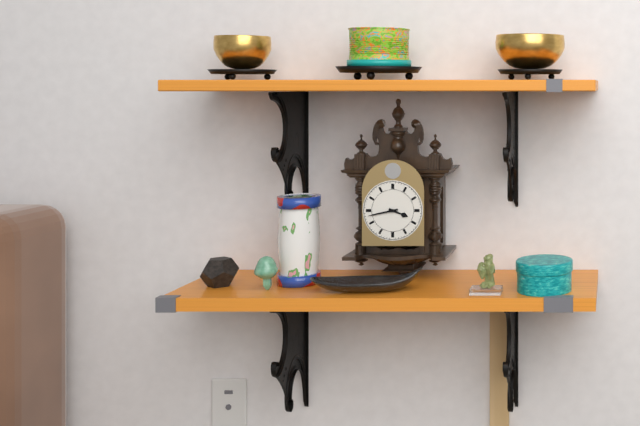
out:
{"hour": 3, "minute": 43}
